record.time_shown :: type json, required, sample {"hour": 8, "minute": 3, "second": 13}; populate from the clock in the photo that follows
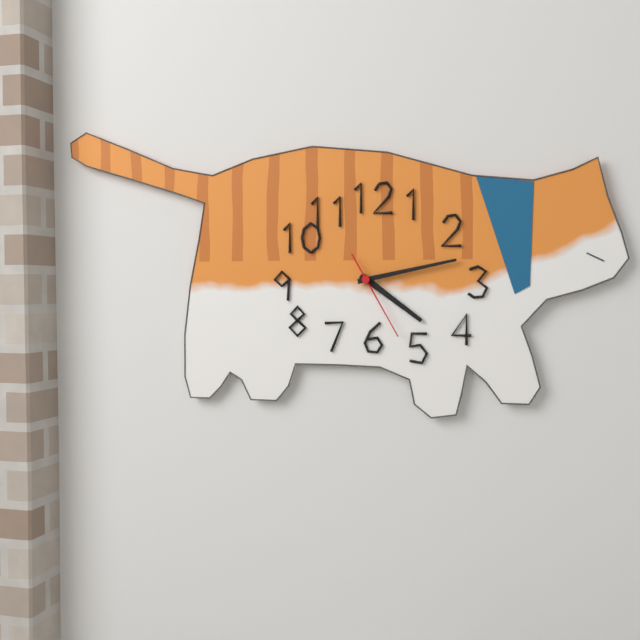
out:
{"hour": 4, "minute": 13, "second": 25}
